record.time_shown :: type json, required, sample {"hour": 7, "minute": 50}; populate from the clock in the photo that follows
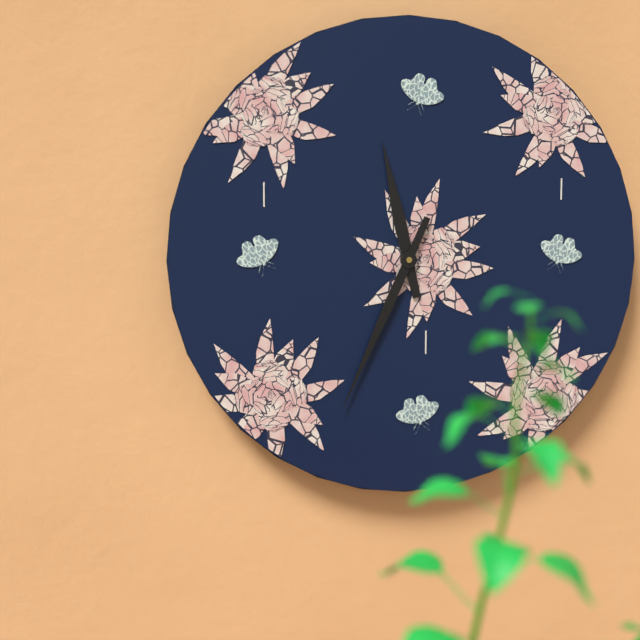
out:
{"hour": 11, "minute": 34}
